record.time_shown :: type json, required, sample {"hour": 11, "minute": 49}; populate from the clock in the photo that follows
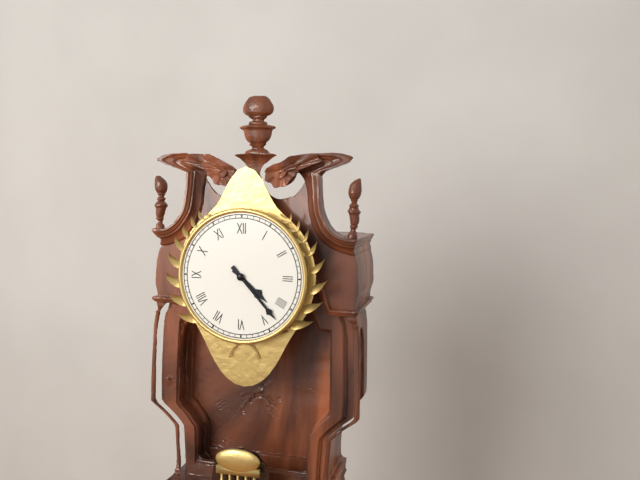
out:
{"hour": 4, "minute": 23}
